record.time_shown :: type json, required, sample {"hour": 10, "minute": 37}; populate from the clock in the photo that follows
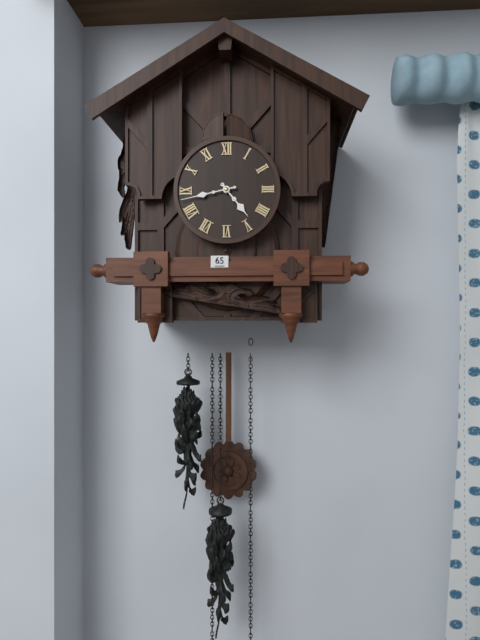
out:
{"hour": 4, "minute": 43}
